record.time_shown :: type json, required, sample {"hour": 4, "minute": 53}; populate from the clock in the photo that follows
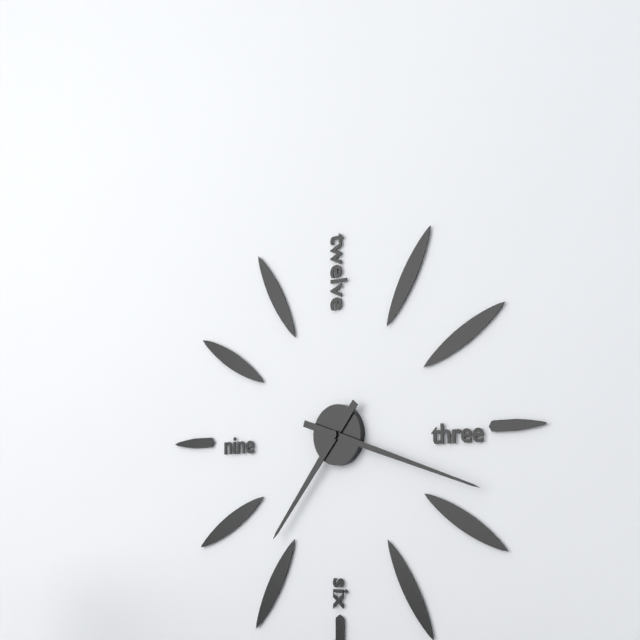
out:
{"hour": 7, "minute": 18}
